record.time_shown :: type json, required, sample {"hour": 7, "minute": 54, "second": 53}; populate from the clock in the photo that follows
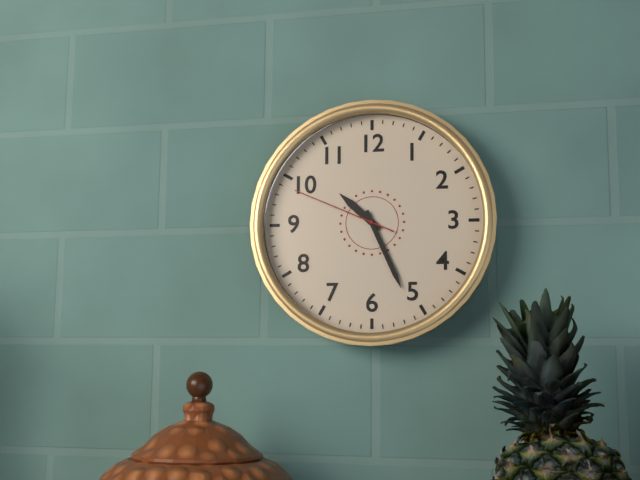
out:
{"hour": 10, "minute": 26, "second": 49}
